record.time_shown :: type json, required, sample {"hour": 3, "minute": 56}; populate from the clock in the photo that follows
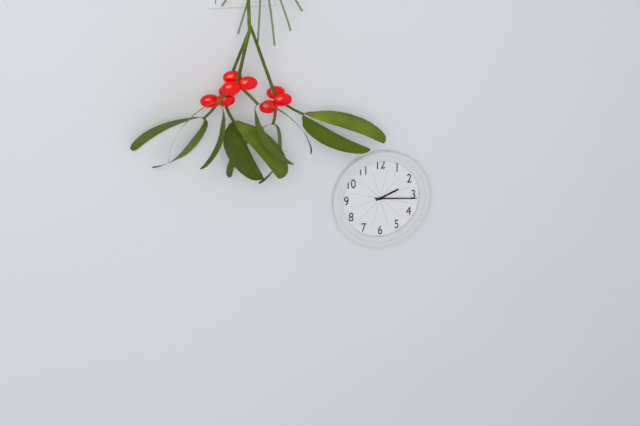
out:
{"hour": 2, "minute": 16}
